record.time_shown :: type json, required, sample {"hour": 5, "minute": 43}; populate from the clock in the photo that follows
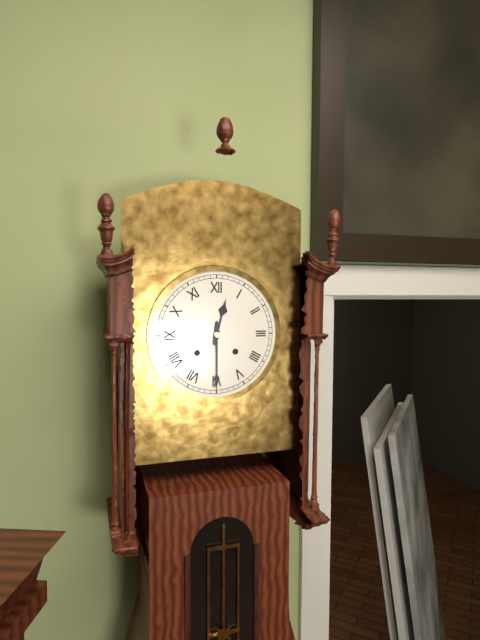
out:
{"hour": 12, "minute": 30}
